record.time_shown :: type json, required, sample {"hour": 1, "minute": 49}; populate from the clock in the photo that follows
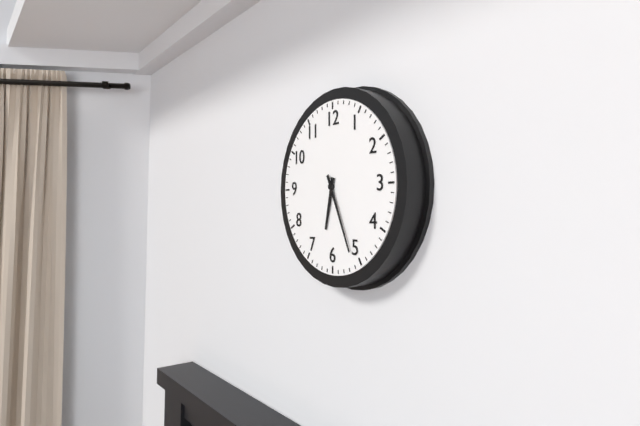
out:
{"hour": 6, "minute": 26}
